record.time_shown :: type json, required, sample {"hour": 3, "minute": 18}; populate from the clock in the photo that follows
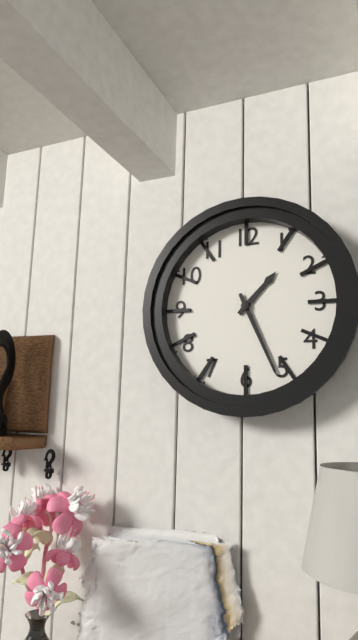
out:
{"hour": 1, "minute": 26}
